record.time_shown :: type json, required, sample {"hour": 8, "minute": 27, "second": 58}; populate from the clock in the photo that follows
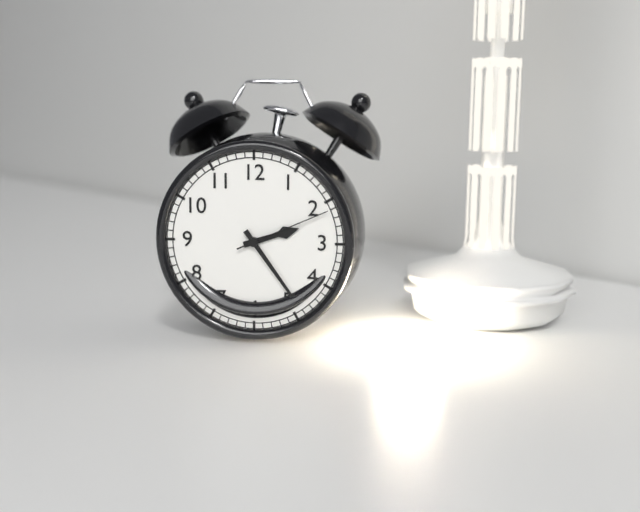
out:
{"hour": 2, "minute": 24, "second": 11}
